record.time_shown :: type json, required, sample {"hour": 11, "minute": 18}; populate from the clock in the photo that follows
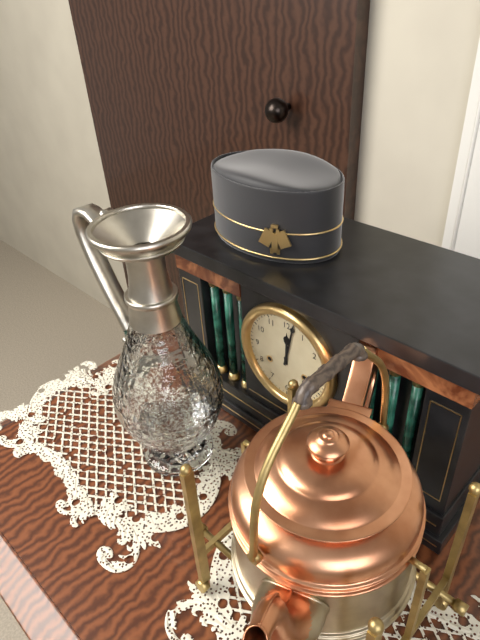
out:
{"hour": 12, "minute": 2}
